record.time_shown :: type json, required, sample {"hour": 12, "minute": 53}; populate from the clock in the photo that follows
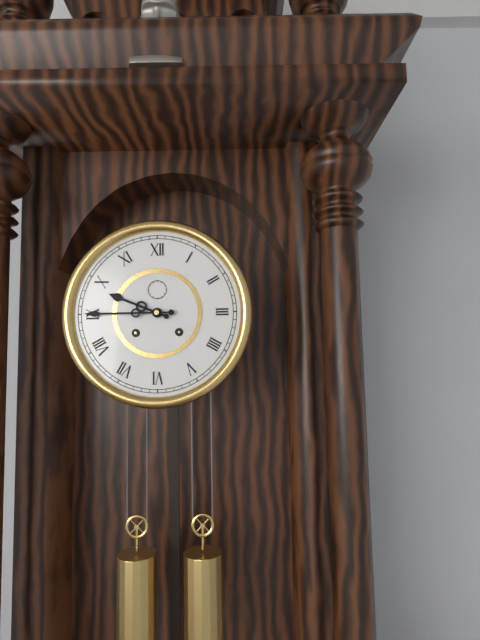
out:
{"hour": 9, "minute": 45}
